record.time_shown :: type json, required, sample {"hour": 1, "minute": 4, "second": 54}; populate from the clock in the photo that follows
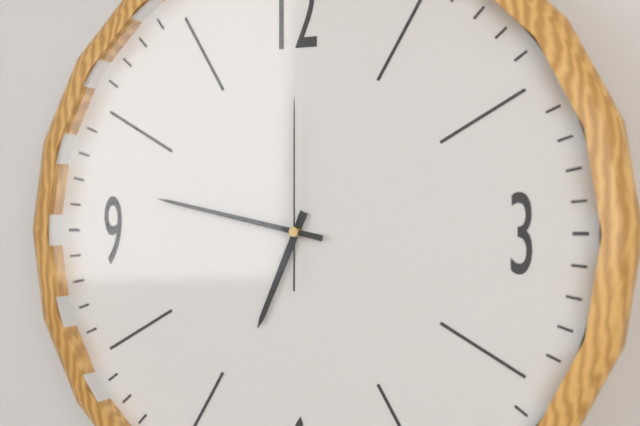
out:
{"hour": 6, "minute": 47, "second": 0}
